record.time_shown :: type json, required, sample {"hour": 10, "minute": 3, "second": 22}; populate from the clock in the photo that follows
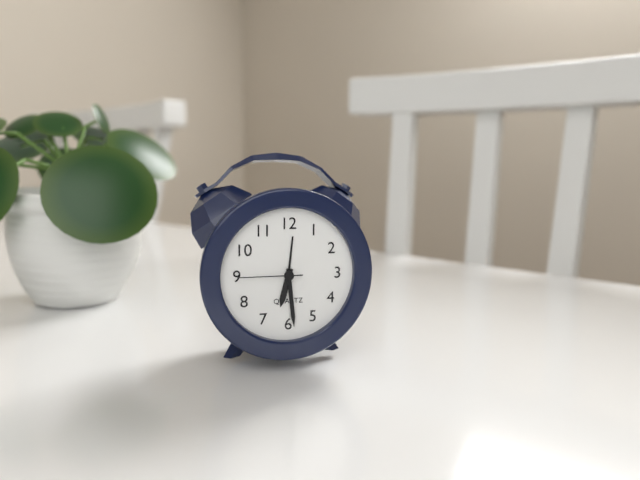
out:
{"hour": 6, "minute": 29, "second": 45}
